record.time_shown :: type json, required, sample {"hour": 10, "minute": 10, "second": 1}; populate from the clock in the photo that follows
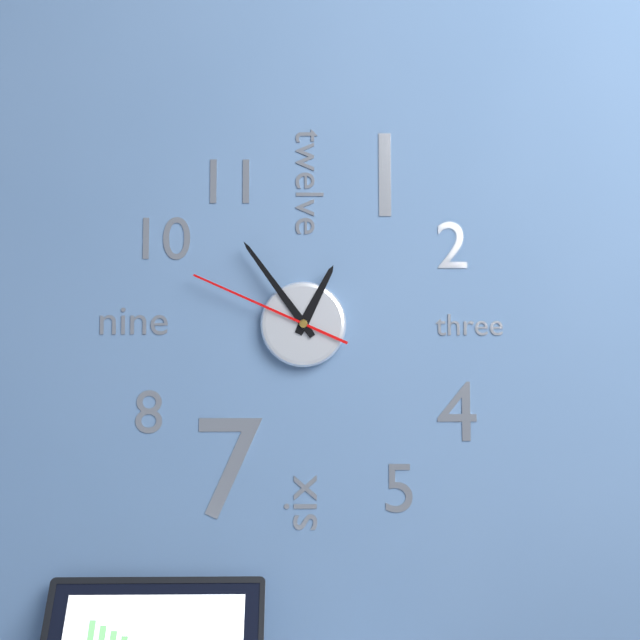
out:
{"hour": 12, "minute": 54, "second": 49}
